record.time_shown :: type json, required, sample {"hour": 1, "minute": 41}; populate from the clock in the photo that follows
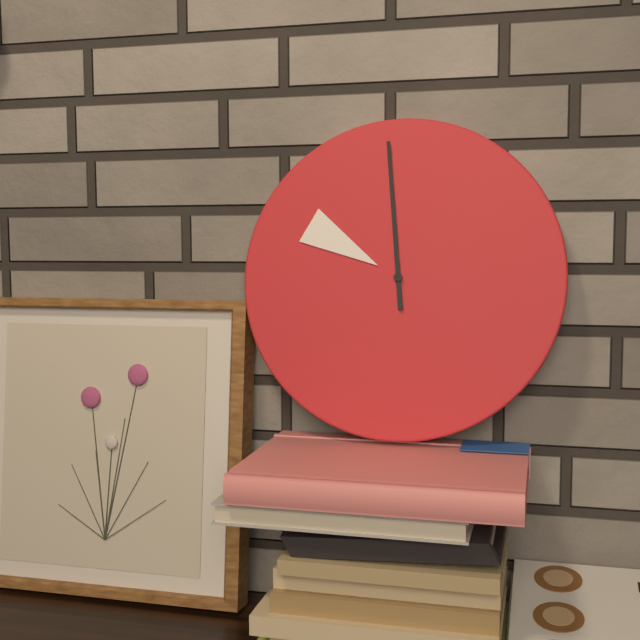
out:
{"hour": 9, "minute": 59}
